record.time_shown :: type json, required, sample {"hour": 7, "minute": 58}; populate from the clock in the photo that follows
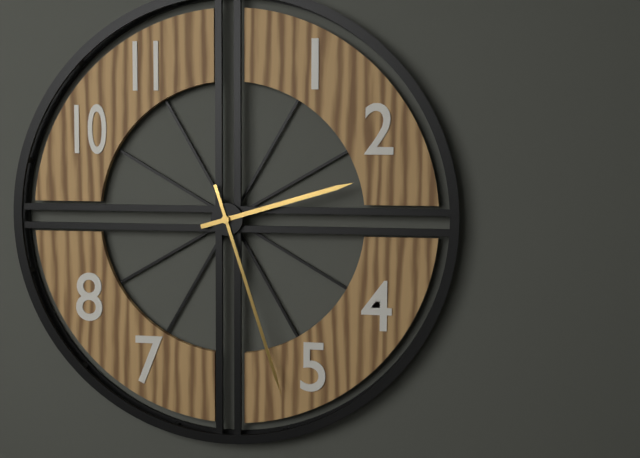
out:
{"hour": 2, "minute": 27}
